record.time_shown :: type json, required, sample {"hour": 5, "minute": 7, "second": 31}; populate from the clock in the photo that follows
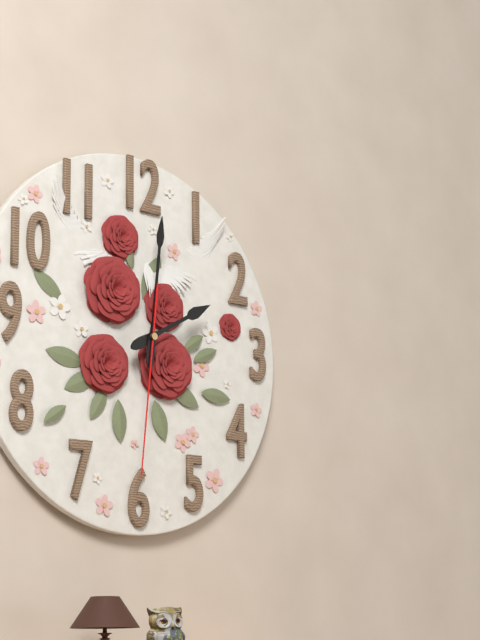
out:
{"hour": 2, "minute": 1, "second": 31}
